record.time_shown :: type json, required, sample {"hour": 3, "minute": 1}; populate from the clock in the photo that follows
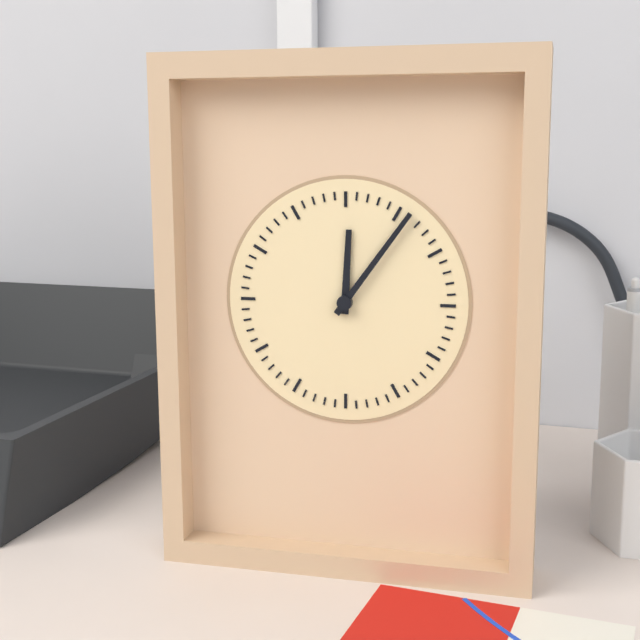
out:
{"hour": 12, "minute": 6}
